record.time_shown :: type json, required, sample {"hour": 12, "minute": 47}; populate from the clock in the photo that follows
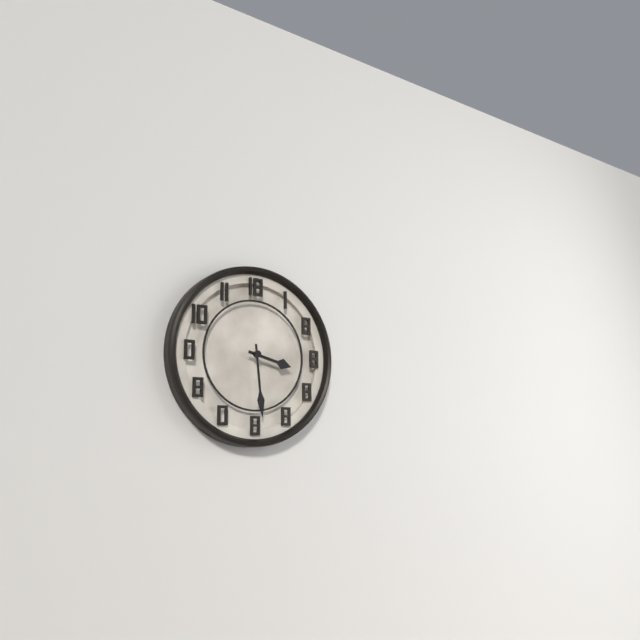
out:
{"hour": 3, "minute": 29}
